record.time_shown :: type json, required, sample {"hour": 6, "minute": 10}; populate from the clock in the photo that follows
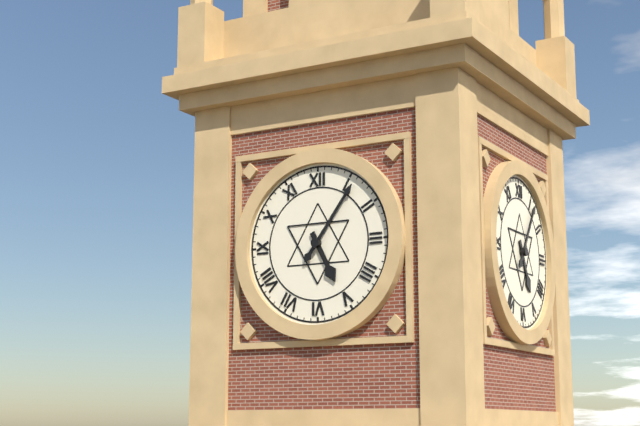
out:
{"hour": 5, "minute": 6}
